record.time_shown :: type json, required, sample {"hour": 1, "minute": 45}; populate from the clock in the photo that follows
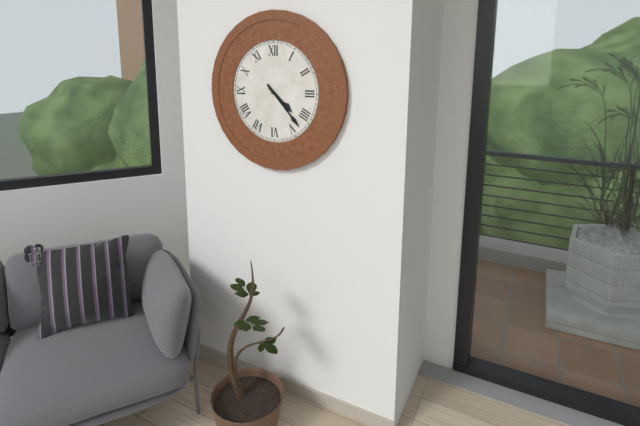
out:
{"hour": 4, "minute": 23}
